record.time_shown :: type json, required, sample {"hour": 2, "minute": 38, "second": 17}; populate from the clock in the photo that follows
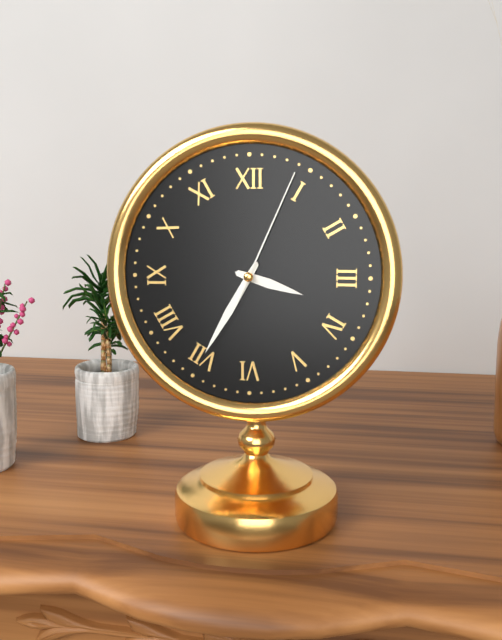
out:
{"hour": 3, "minute": 35, "second": 4}
